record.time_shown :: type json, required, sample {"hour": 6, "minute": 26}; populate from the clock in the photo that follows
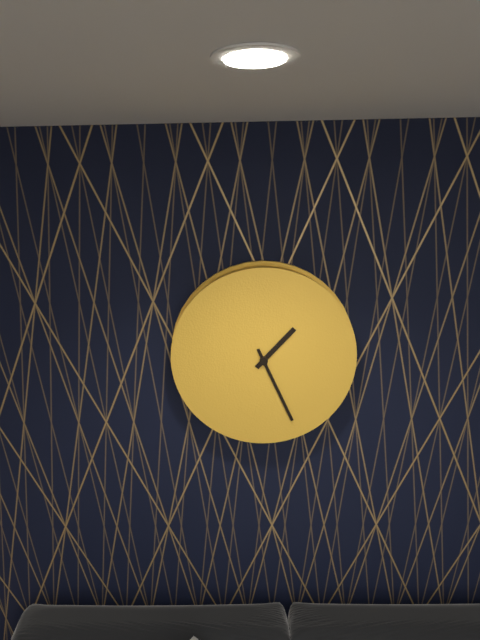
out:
{"hour": 1, "minute": 26}
